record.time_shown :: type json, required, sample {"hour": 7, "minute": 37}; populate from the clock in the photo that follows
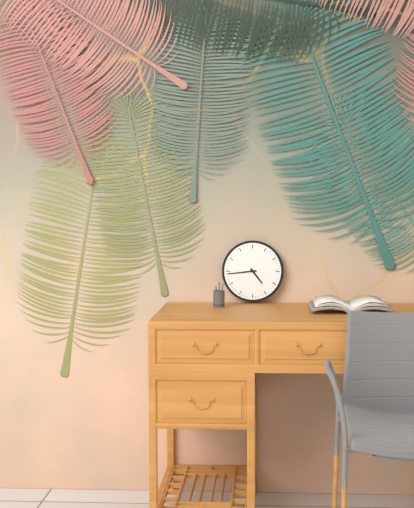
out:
{"hour": 4, "minute": 44}
